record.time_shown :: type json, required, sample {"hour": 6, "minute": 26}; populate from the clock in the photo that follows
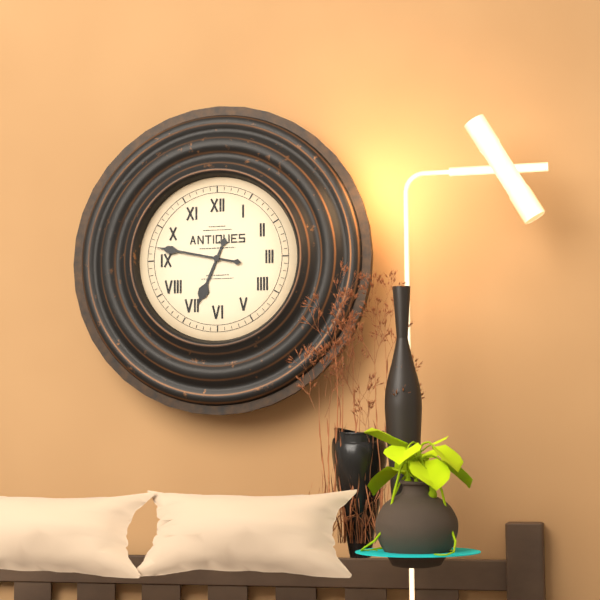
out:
{"hour": 6, "minute": 47}
